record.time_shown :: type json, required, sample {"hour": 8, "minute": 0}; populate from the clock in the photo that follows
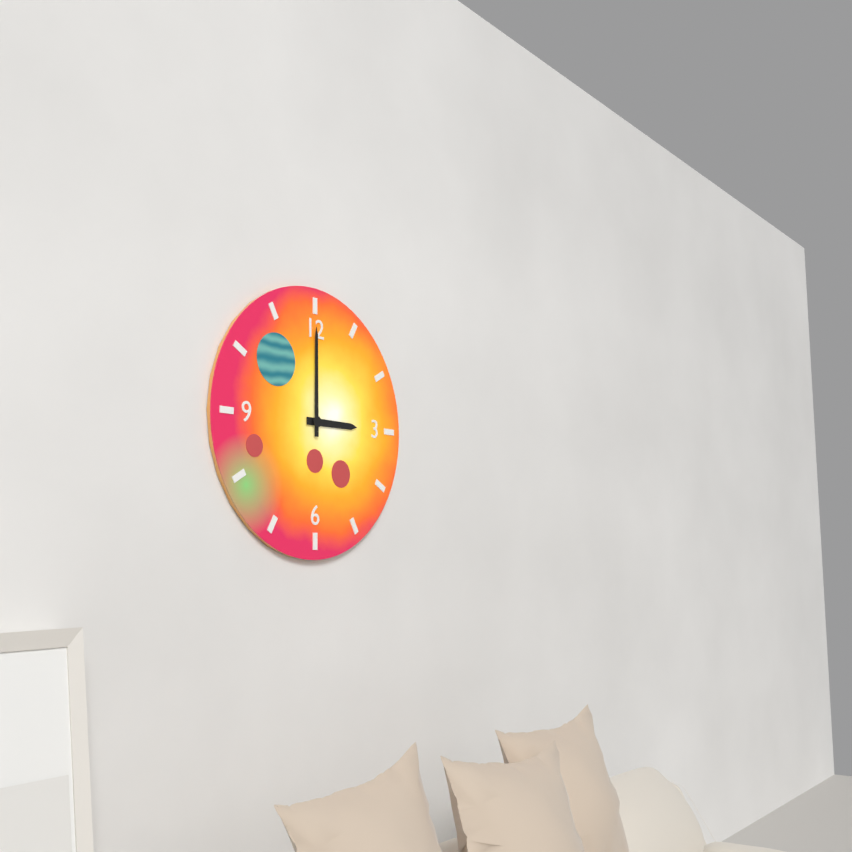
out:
{"hour": 3, "minute": 0}
